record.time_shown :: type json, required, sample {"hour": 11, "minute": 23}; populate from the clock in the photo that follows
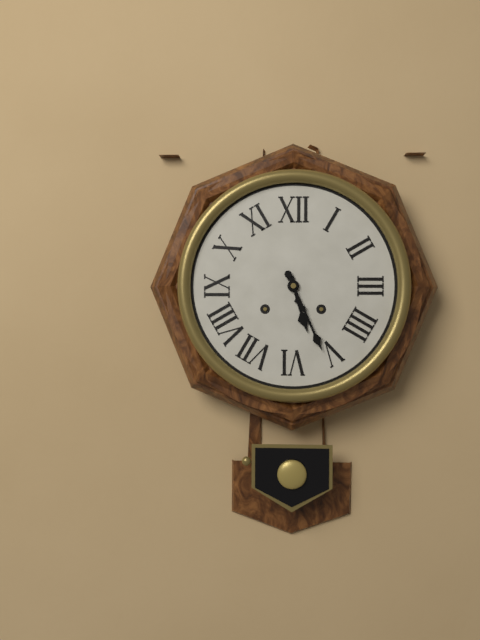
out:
{"hour": 5, "minute": 26}
